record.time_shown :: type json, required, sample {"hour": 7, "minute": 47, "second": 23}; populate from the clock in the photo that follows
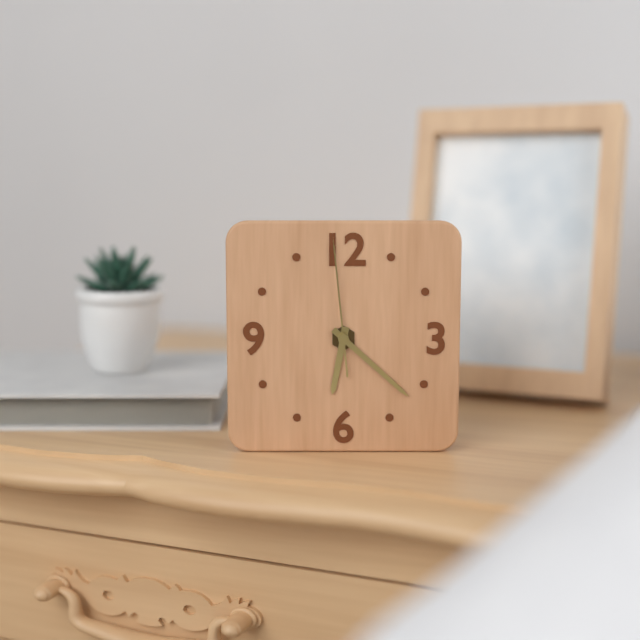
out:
{"hour": 6, "minute": 22, "second": 59}
